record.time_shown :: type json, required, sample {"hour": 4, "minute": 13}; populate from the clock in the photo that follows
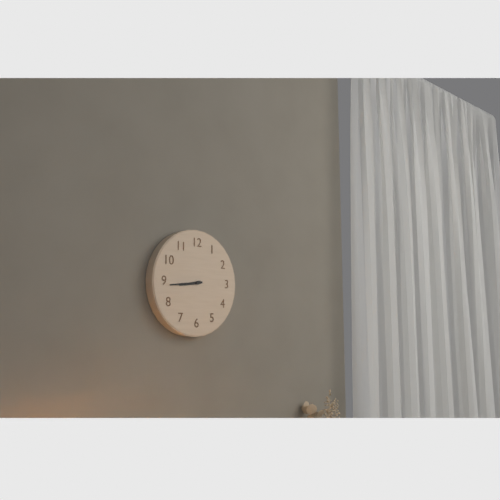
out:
{"hour": 8, "minute": 44}
